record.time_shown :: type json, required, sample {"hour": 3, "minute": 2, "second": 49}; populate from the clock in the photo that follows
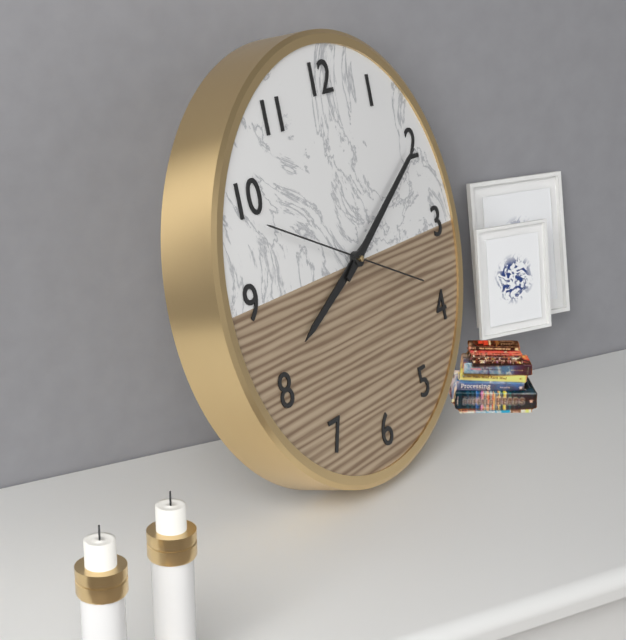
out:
{"hour": 8, "minute": 10, "second": 49}
